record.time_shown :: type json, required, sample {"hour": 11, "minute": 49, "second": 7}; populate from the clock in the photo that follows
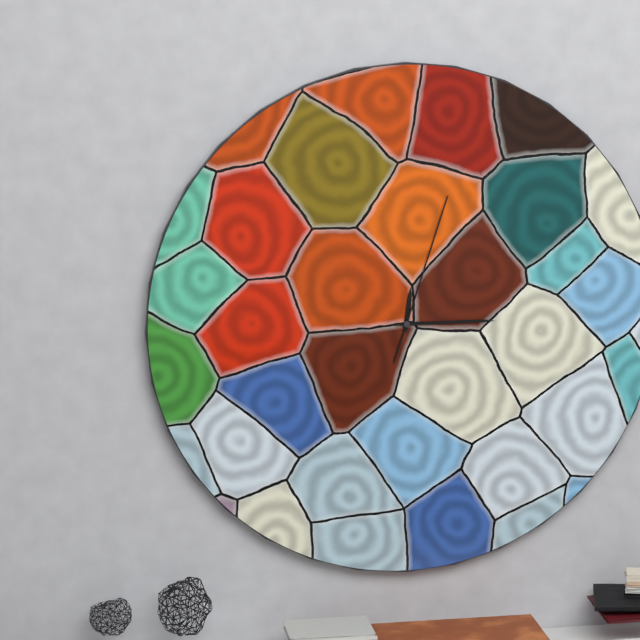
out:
{"hour": 12, "minute": 15, "second": 3}
